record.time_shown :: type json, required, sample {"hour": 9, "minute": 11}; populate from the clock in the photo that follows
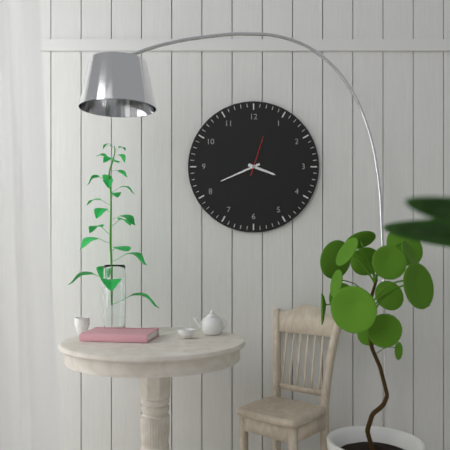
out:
{"hour": 3, "minute": 41}
